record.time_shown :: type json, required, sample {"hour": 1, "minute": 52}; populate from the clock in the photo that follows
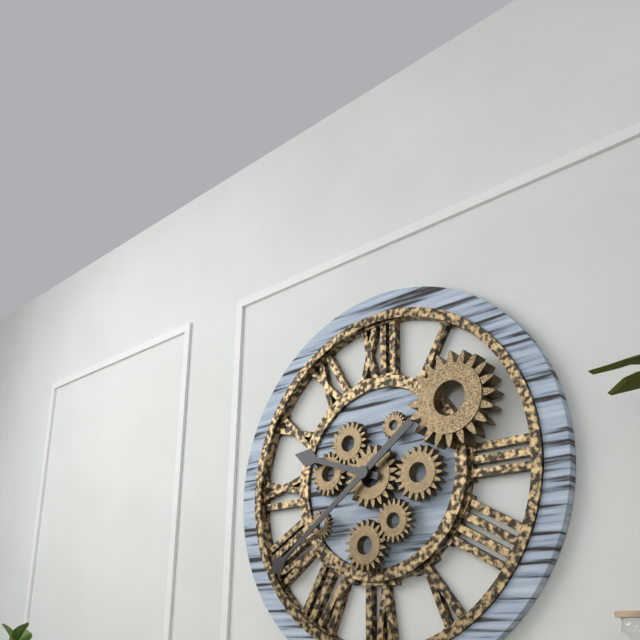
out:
{"hour": 9, "minute": 39}
